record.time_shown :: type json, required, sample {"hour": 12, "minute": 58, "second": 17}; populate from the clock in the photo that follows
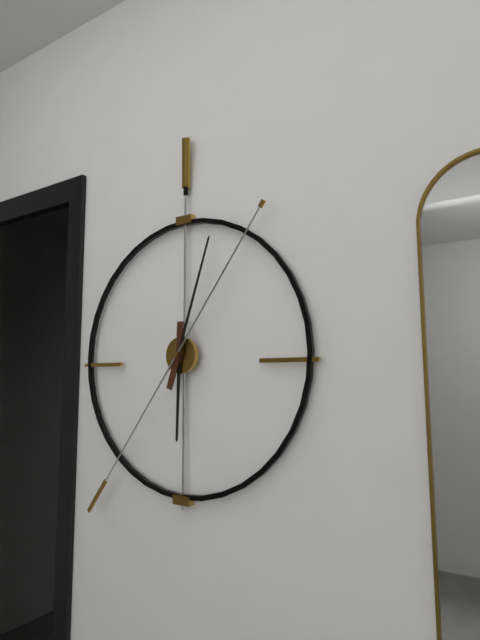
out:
{"hour": 6, "minute": 3, "second": 36}
